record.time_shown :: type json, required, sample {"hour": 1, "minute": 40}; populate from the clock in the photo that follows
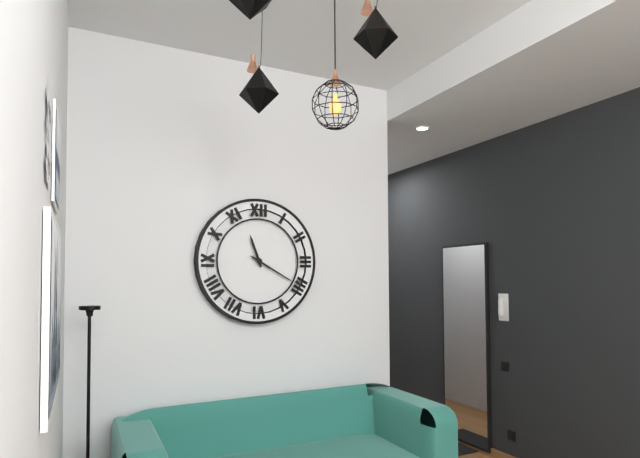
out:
{"hour": 11, "minute": 20}
